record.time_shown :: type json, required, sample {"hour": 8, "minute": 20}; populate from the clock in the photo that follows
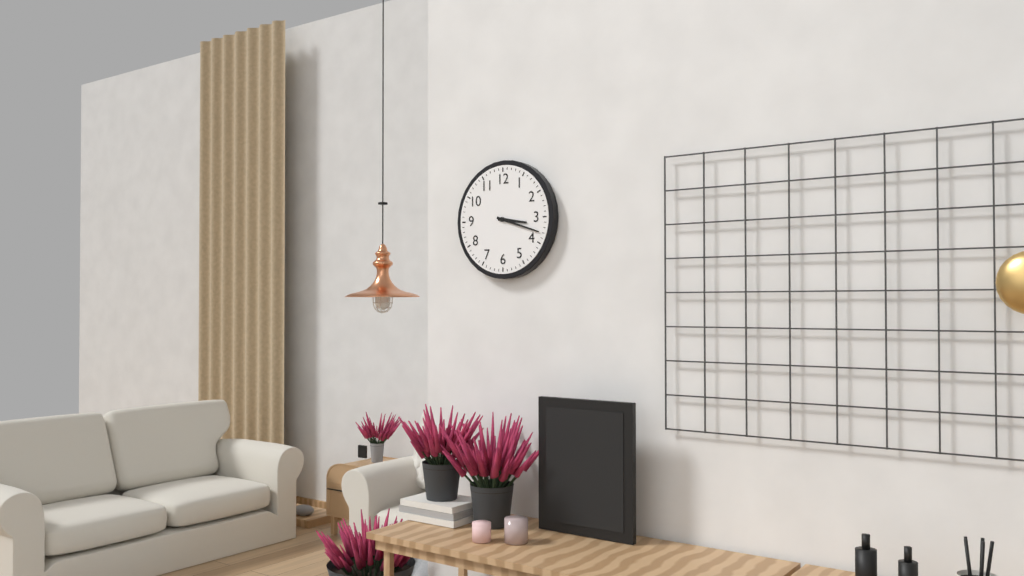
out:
{"hour": 3, "minute": 18}
